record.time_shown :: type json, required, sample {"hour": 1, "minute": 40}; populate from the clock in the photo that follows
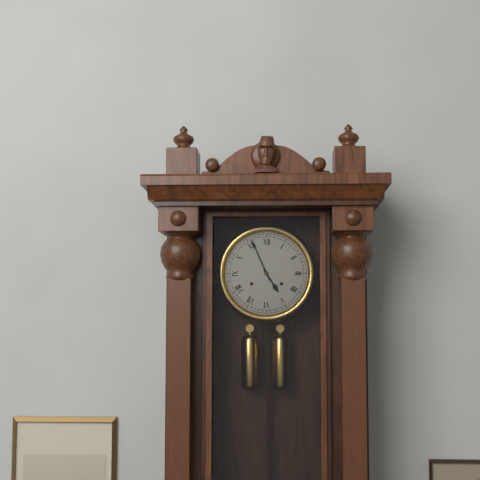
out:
{"hour": 4, "minute": 56}
